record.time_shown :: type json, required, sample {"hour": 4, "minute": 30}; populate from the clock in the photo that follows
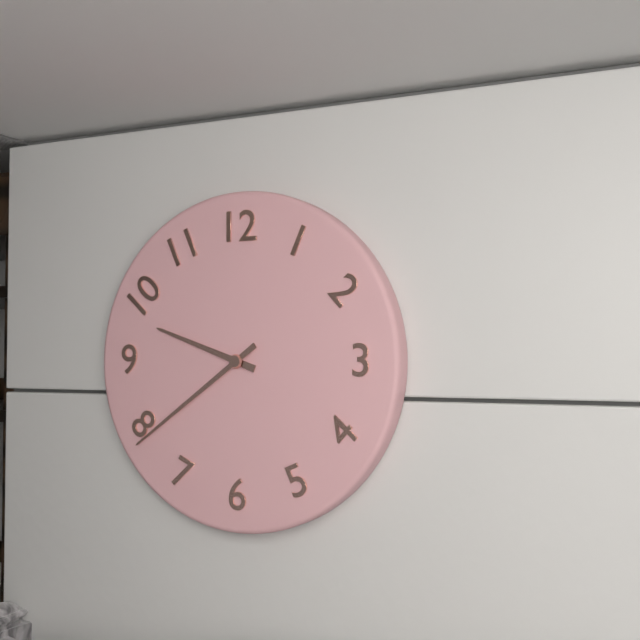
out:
{"hour": 9, "minute": 39}
